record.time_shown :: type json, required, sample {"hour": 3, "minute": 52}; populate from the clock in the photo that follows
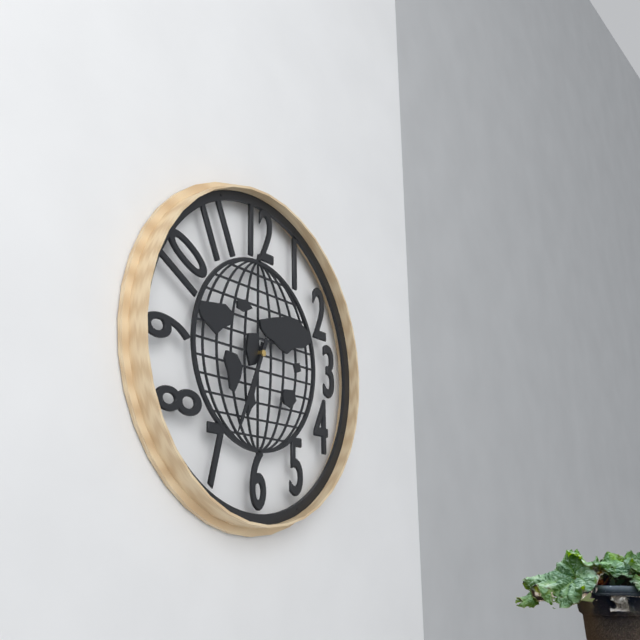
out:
{"hour": 6, "minute": 34}
